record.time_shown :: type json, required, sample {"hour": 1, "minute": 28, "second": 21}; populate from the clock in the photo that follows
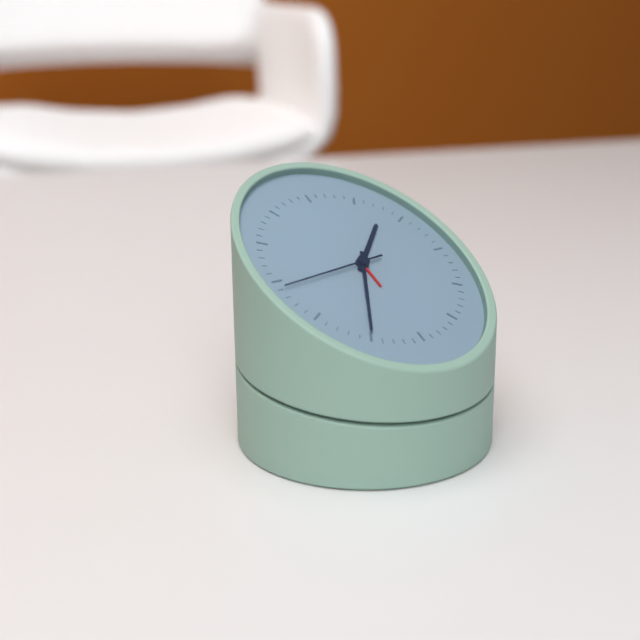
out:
{"hour": 1, "minute": 35, "second": 44}
